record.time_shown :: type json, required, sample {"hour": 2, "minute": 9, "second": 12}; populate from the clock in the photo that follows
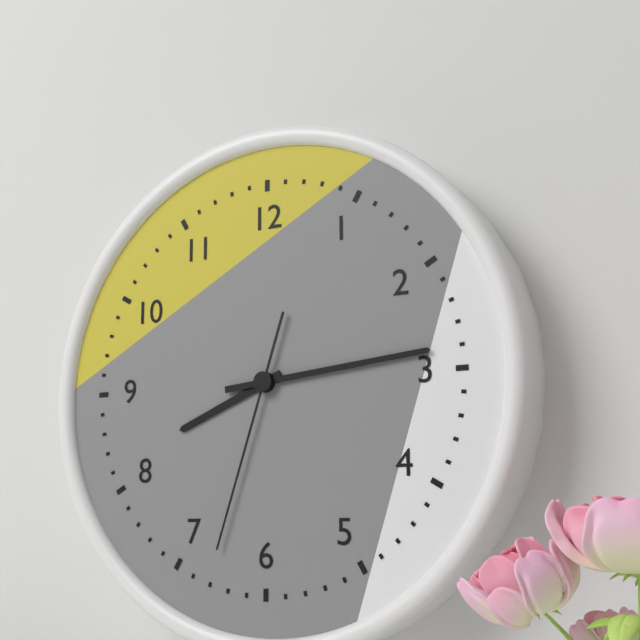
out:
{"hour": 8, "minute": 14, "second": 33}
